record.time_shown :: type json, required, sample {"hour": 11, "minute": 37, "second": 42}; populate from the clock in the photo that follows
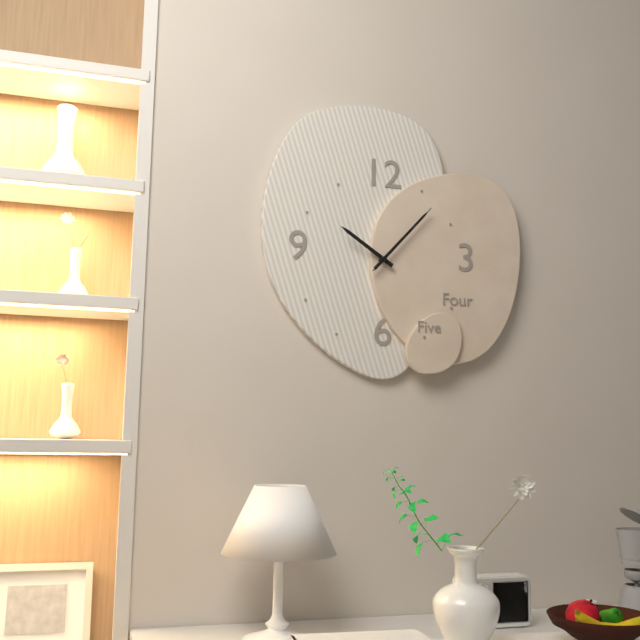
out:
{"hour": 10, "minute": 7, "second": 7}
